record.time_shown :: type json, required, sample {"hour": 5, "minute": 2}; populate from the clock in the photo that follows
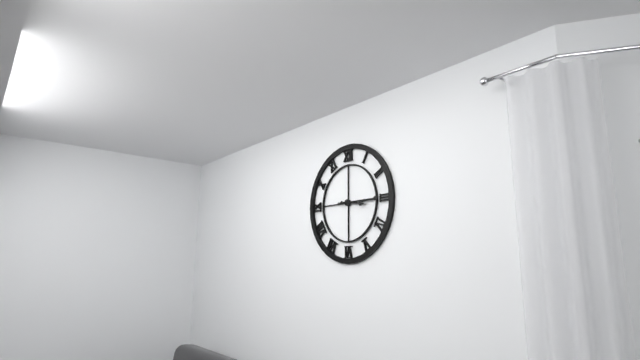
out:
{"hour": 3, "minute": 15}
